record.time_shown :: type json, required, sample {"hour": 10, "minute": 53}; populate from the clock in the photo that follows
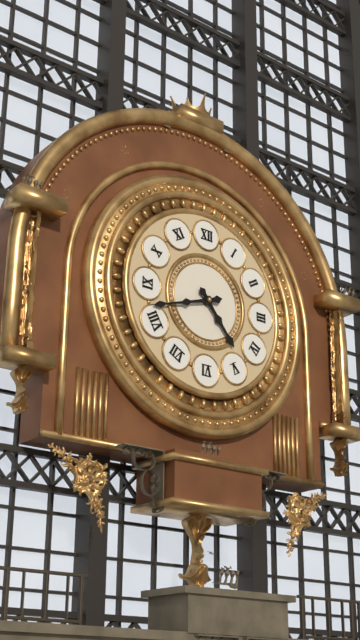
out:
{"hour": 4, "minute": 42}
